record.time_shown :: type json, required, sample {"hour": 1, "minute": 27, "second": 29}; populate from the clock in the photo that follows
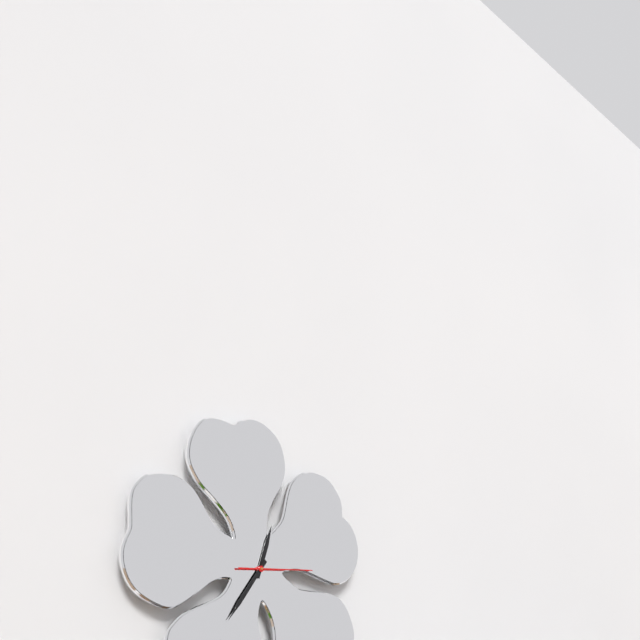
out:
{"hour": 12, "minute": 36, "second": 14}
